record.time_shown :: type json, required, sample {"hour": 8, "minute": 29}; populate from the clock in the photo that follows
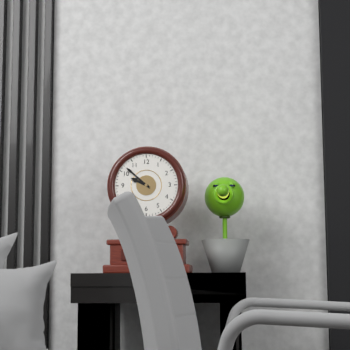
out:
{"hour": 9, "minute": 52}
